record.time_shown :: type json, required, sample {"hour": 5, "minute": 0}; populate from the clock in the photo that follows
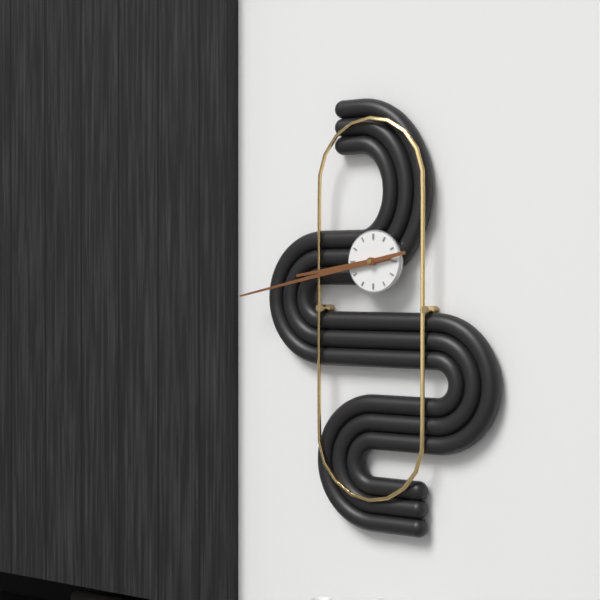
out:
{"hour": 8, "minute": 43}
